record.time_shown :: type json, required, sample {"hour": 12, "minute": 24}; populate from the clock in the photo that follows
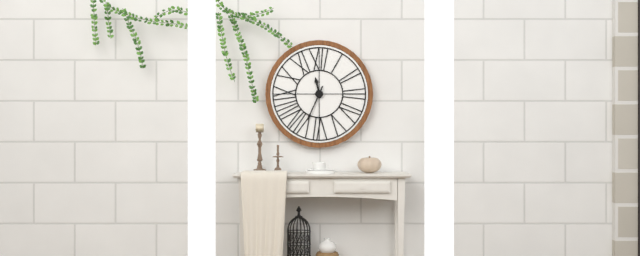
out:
{"hour": 11, "minute": 34}
